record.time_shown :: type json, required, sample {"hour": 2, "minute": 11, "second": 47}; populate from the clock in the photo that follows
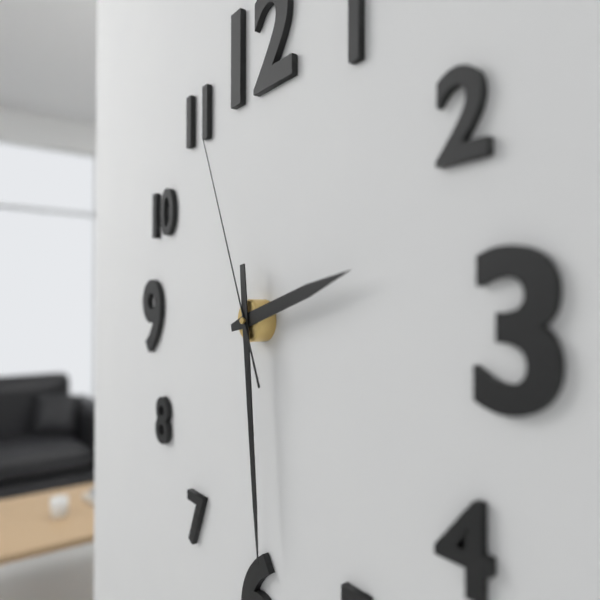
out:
{"hour": 2, "minute": 29, "second": 56}
